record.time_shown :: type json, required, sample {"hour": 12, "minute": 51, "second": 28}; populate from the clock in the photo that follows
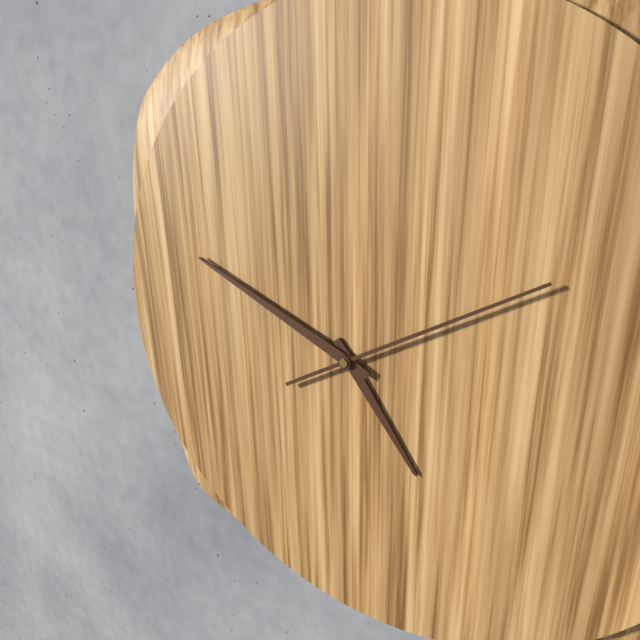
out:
{"hour": 4, "minute": 49, "second": 10}
